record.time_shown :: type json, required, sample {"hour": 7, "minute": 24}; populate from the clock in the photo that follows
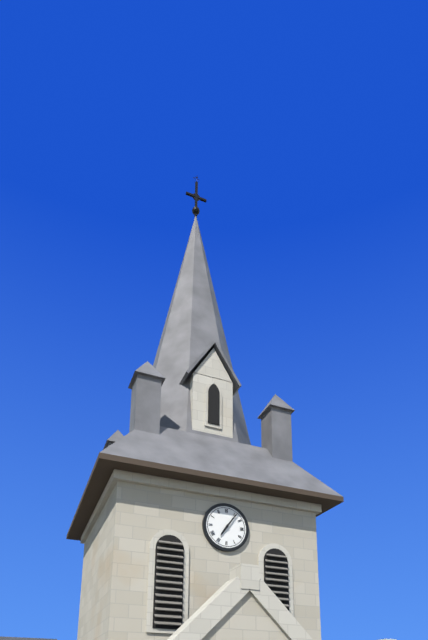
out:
{"hour": 7, "minute": 6}
